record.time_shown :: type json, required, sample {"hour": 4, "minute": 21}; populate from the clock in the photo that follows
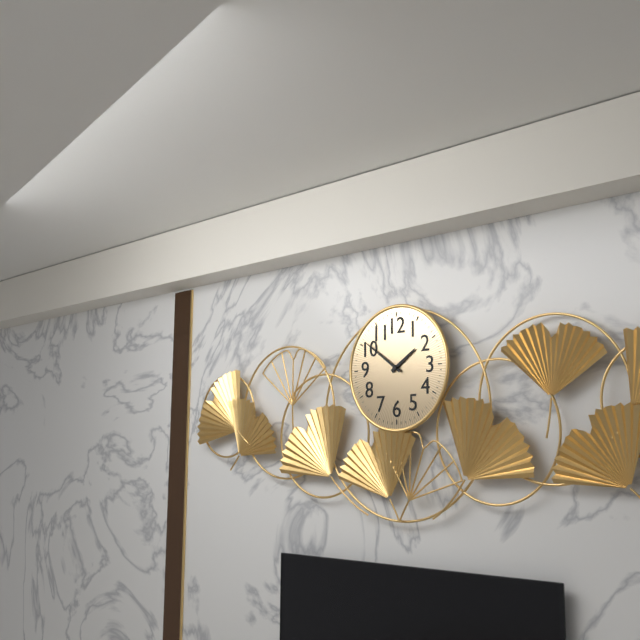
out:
{"hour": 1, "minute": 51}
